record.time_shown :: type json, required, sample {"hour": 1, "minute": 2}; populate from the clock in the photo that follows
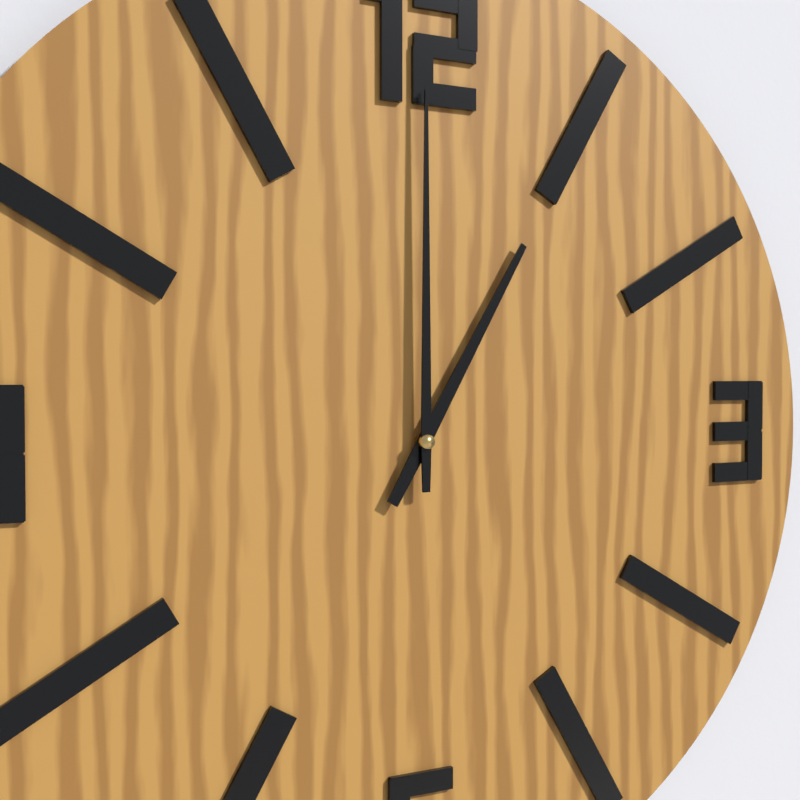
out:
{"hour": 1, "minute": 0}
